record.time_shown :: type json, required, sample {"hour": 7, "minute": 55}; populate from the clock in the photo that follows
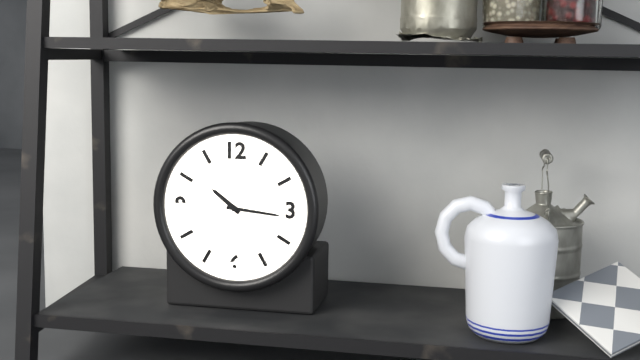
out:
{"hour": 10, "minute": 16}
